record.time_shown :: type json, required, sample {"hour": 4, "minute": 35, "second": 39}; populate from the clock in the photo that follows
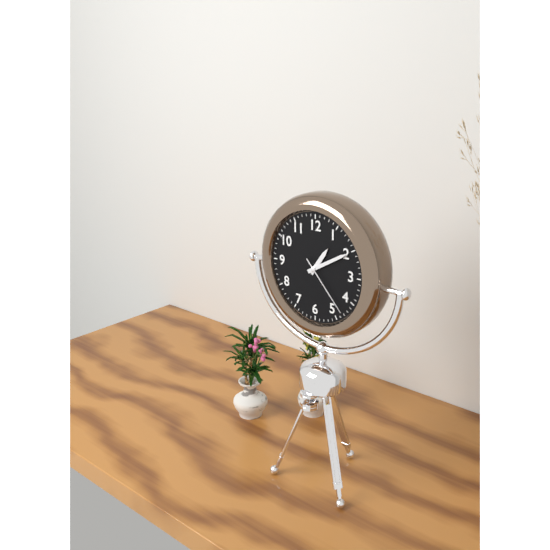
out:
{"hour": 1, "minute": 10, "second": 23}
